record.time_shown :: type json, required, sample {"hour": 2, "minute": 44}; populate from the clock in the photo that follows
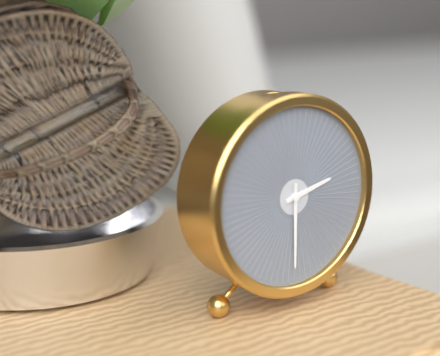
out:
{"hour": 2, "minute": 30}
